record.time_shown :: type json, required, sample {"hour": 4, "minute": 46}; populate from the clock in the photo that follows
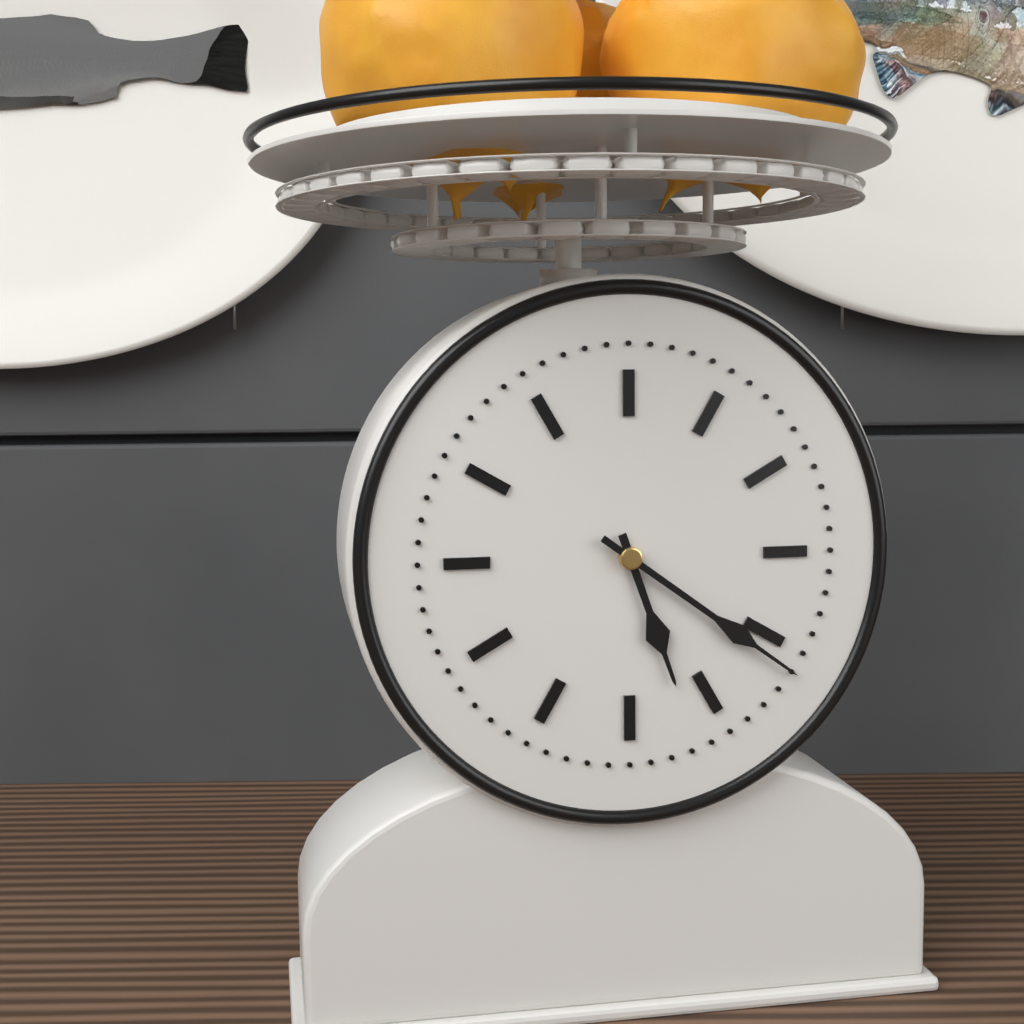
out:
{"hour": 5, "minute": 21}
